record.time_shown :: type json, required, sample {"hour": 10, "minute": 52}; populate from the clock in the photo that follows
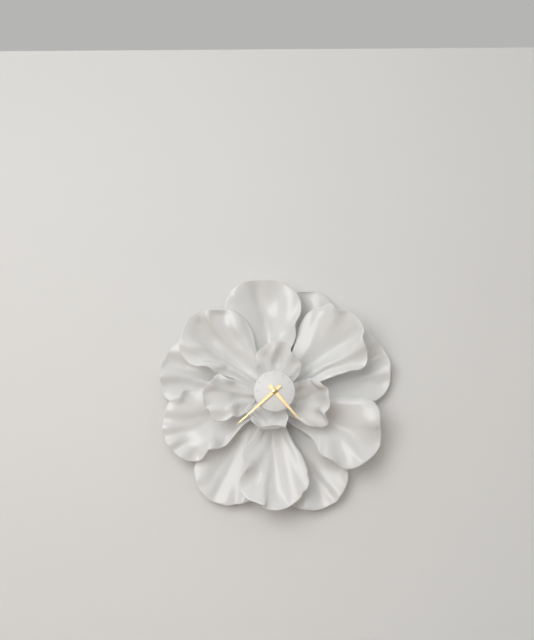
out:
{"hour": 4, "minute": 38}
